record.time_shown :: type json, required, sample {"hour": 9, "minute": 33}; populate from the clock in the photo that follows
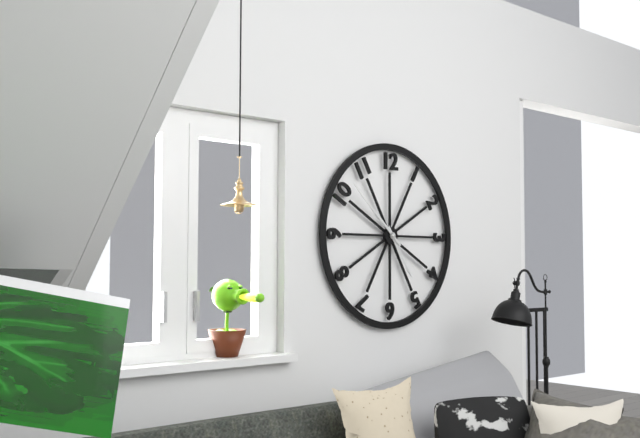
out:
{"hour": 4, "minute": 52}
